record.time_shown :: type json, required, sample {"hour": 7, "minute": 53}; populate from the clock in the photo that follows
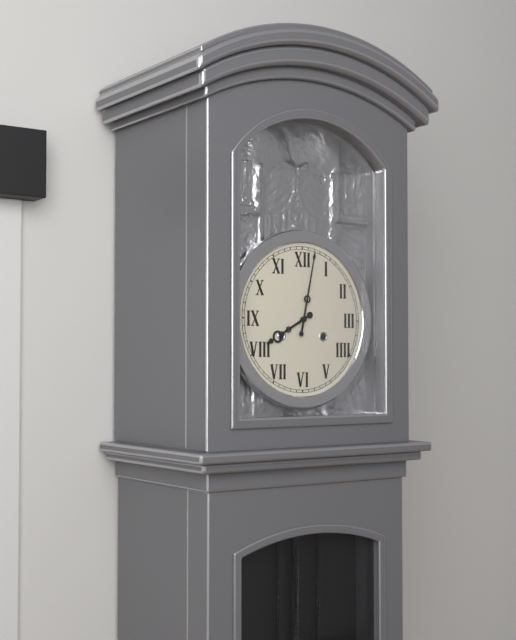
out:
{"hour": 8, "minute": 2}
